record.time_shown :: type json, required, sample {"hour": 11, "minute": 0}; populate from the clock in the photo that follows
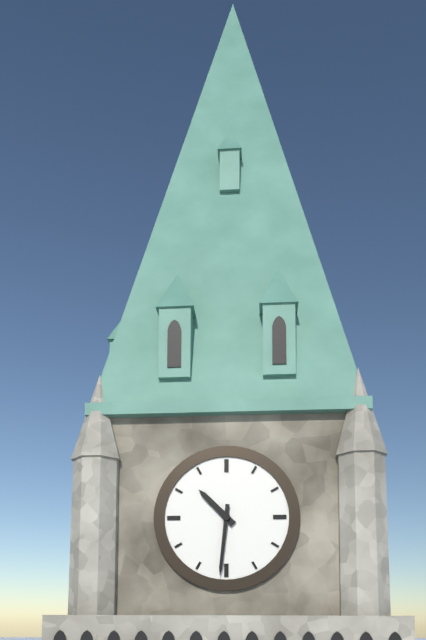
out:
{"hour": 10, "minute": 31}
